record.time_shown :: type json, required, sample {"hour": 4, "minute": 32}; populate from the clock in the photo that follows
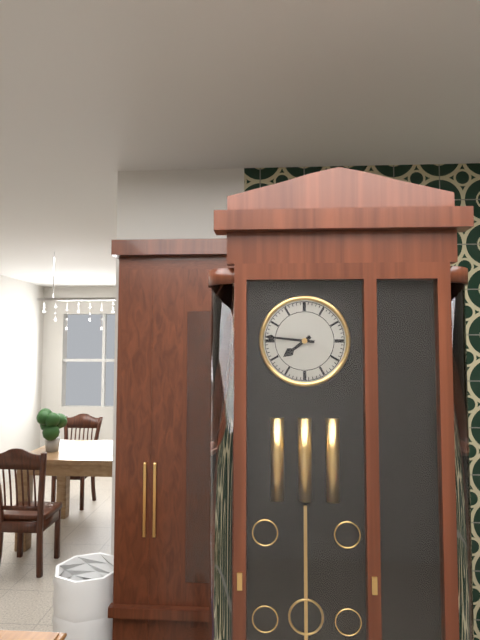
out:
{"hour": 7, "minute": 46}
